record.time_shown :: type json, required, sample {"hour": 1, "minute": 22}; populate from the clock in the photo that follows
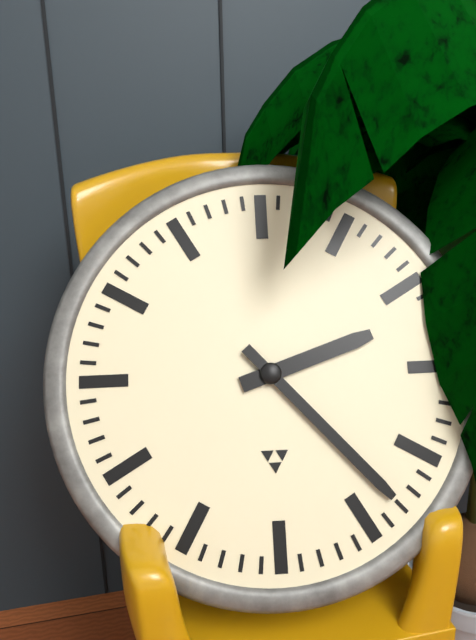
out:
{"hour": 2, "minute": 23}
